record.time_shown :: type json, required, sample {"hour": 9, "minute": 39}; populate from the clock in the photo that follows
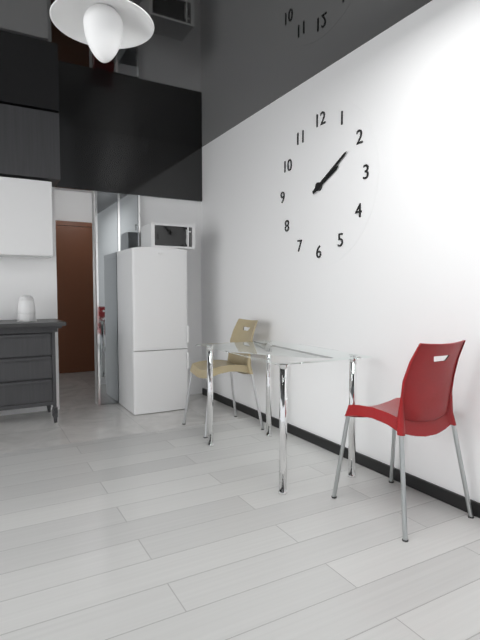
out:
{"hour": 2, "minute": 10}
